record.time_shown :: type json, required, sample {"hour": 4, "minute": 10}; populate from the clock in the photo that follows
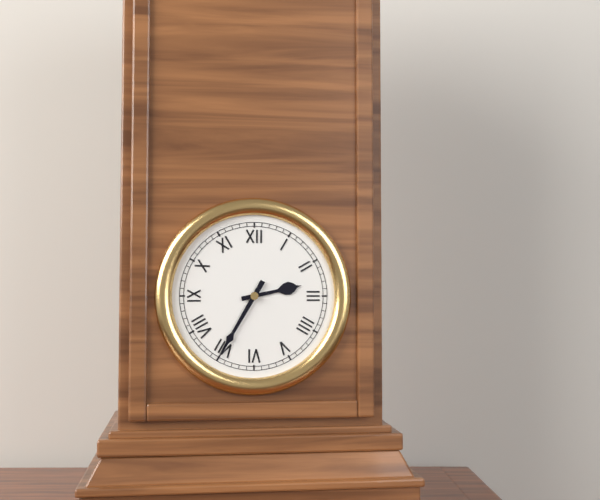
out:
{"hour": 2, "minute": 35}
